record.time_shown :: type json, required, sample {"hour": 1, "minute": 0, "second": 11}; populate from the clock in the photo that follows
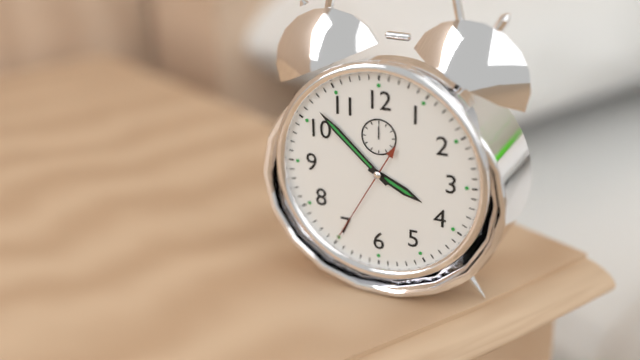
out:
{"hour": 3, "minute": 52, "second": 35}
